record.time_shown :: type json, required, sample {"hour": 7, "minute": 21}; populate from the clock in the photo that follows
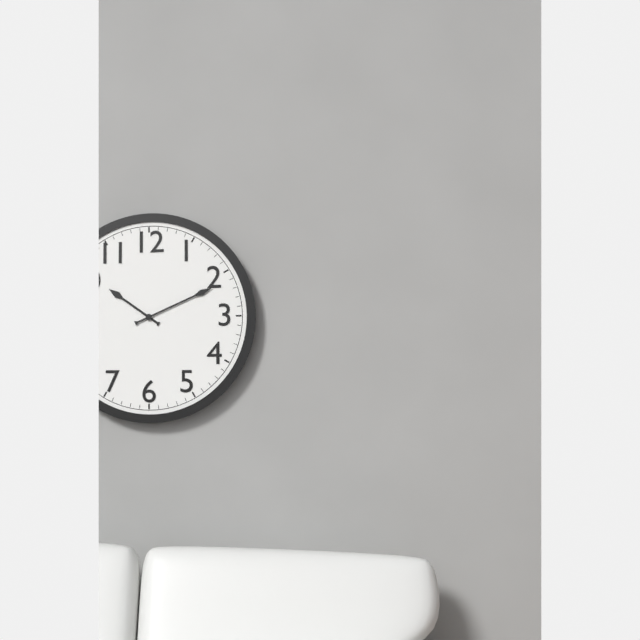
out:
{"hour": 10, "minute": 11}
